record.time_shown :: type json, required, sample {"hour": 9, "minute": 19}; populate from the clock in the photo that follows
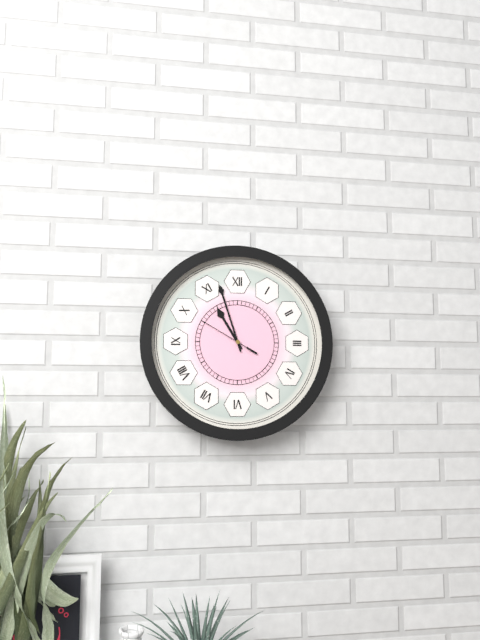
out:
{"hour": 10, "minute": 57}
